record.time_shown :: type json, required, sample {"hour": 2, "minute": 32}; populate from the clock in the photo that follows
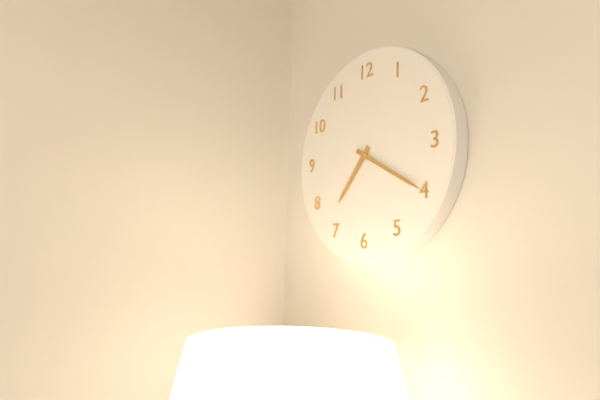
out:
{"hour": 7, "minute": 20}
